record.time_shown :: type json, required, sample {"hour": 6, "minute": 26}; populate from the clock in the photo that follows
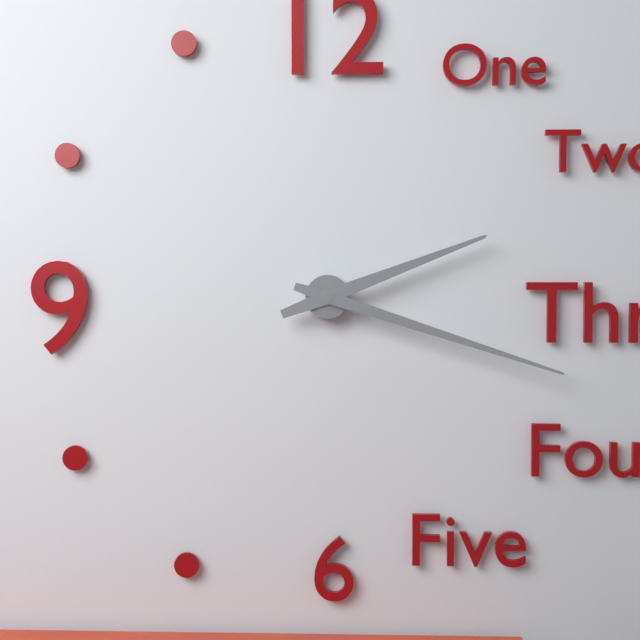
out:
{"hour": 2, "minute": 18}
